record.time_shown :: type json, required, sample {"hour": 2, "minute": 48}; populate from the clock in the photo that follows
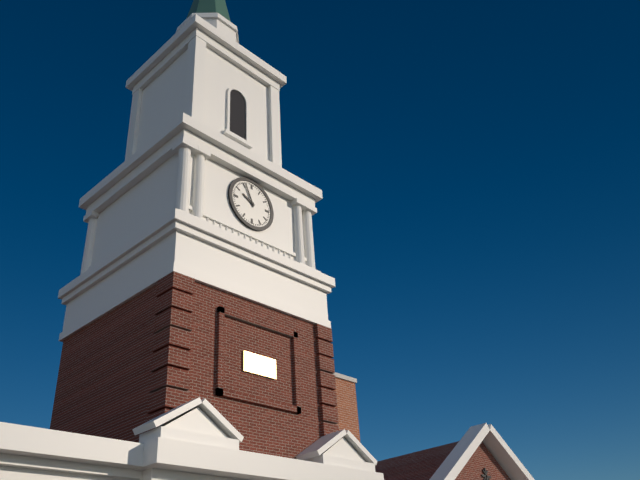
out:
{"hour": 9, "minute": 56}
